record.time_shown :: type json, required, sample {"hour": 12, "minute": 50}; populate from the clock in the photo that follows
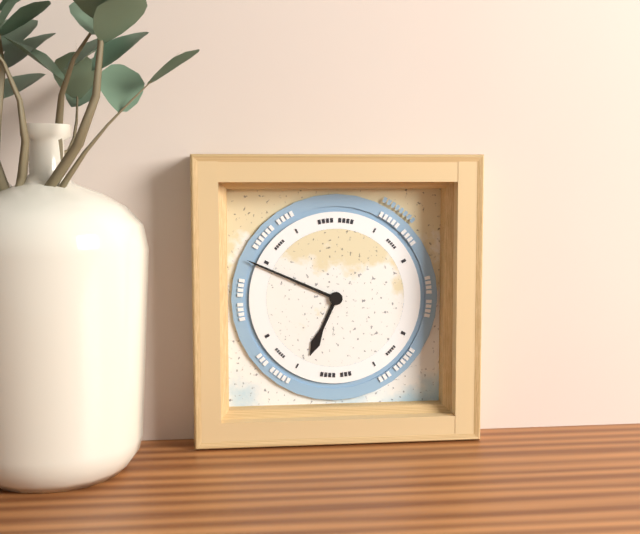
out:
{"hour": 6, "minute": 49}
